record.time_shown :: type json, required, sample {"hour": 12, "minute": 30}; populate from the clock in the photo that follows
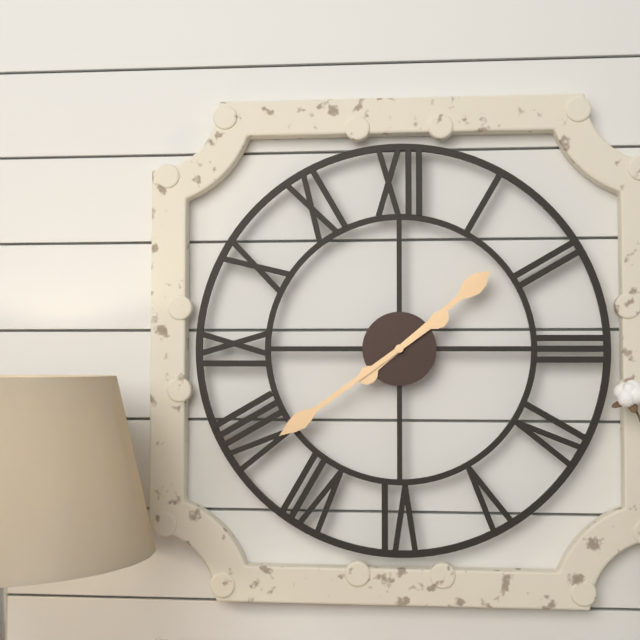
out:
{"hour": 1, "minute": 39}
